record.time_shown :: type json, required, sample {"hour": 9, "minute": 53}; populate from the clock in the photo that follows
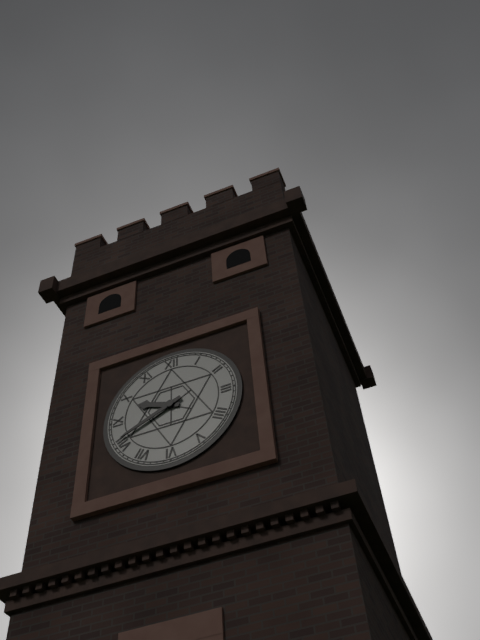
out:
{"hour": 9, "minute": 41}
